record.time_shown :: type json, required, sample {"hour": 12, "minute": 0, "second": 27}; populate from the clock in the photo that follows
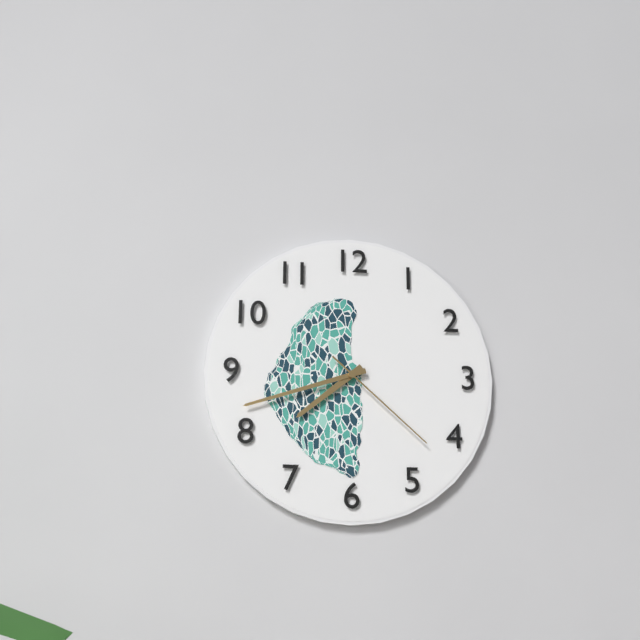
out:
{"hour": 7, "minute": 42, "second": 22}
